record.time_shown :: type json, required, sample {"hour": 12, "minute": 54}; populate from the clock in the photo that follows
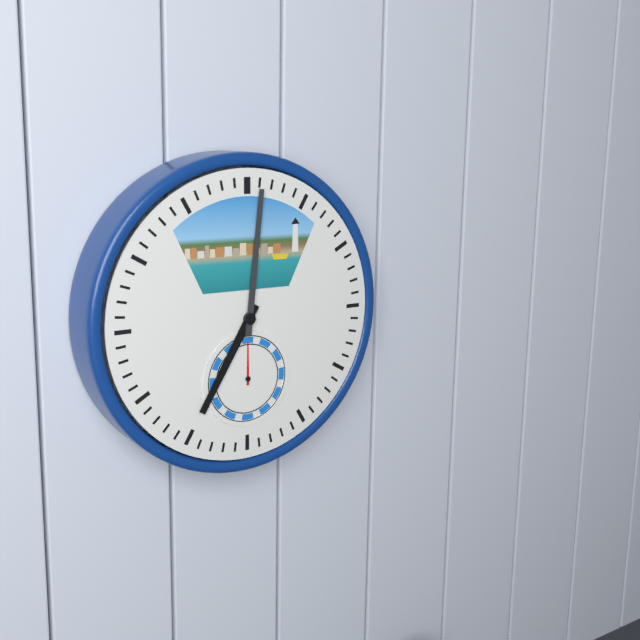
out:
{"hour": 7, "minute": 1}
